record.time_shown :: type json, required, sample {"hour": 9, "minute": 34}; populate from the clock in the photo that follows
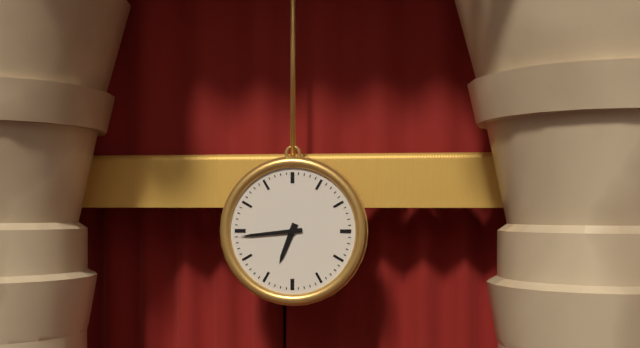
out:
{"hour": 6, "minute": 44}
